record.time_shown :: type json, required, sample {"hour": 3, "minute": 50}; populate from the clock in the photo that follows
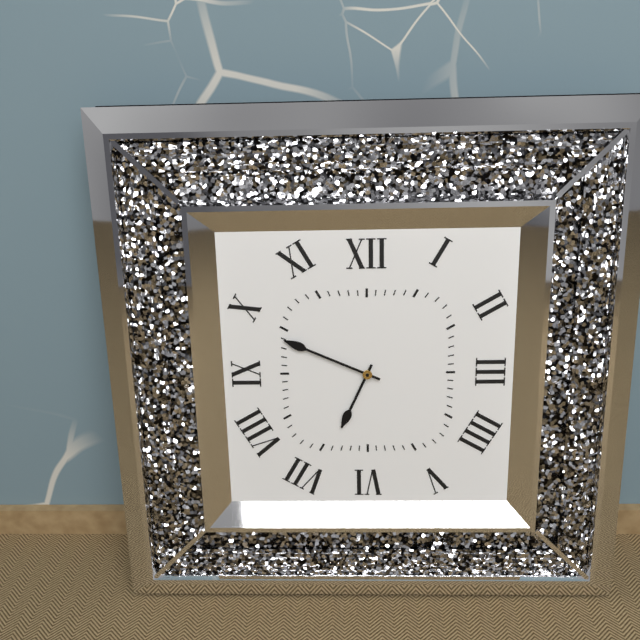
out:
{"hour": 6, "minute": 49}
